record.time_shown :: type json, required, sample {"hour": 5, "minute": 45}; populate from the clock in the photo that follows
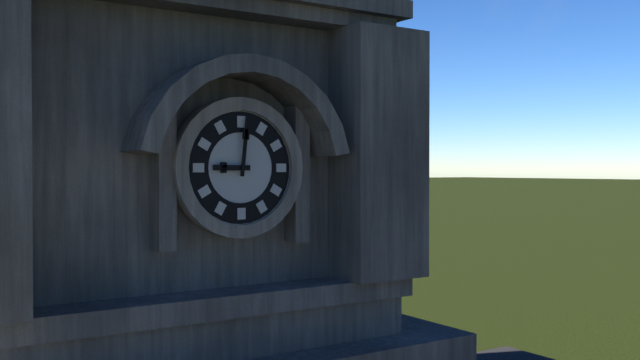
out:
{"hour": 9, "minute": 1}
